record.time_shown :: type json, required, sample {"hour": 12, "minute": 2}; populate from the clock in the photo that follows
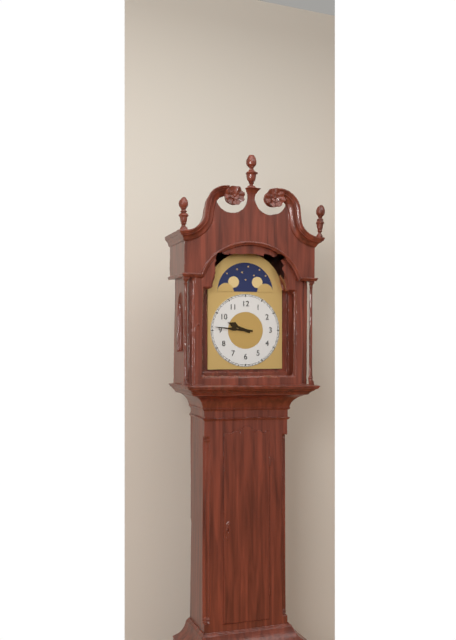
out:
{"hour": 9, "minute": 46}
